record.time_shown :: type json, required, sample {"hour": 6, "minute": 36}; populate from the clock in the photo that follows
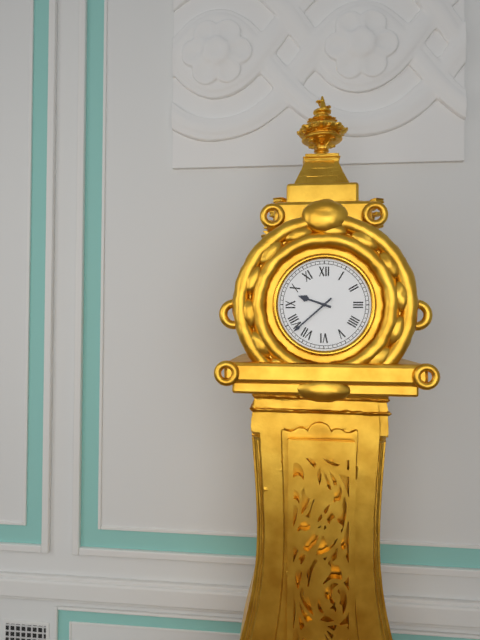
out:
{"hour": 9, "minute": 38}
